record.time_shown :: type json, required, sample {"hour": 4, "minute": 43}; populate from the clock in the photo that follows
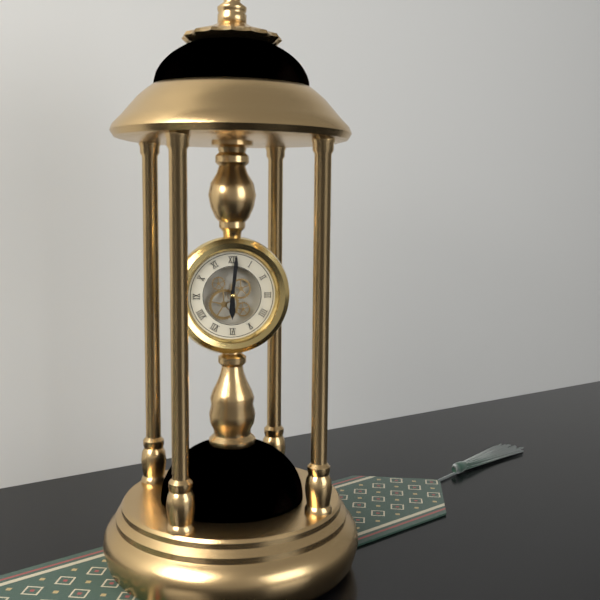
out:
{"hour": 6, "minute": 1}
